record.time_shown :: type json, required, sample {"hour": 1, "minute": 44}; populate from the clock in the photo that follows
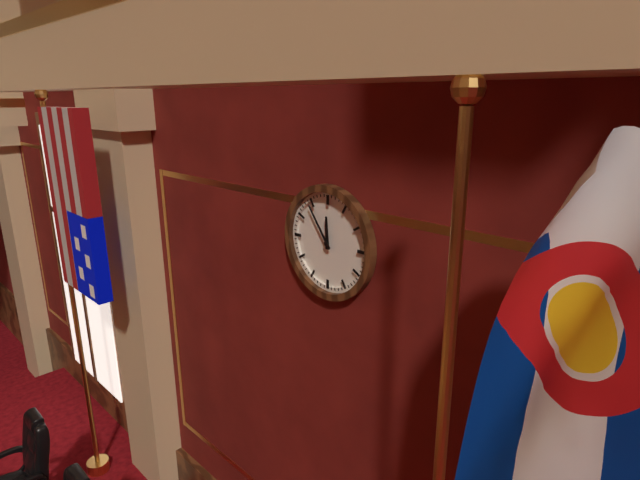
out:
{"hour": 11, "minute": 54}
